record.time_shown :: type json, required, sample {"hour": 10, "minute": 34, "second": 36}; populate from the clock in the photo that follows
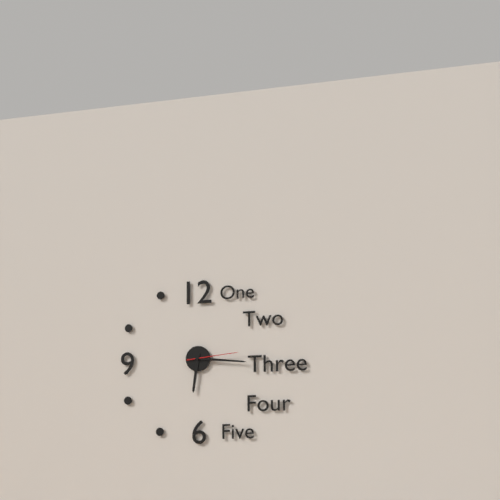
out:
{"hour": 6, "minute": 16, "second": 14}
